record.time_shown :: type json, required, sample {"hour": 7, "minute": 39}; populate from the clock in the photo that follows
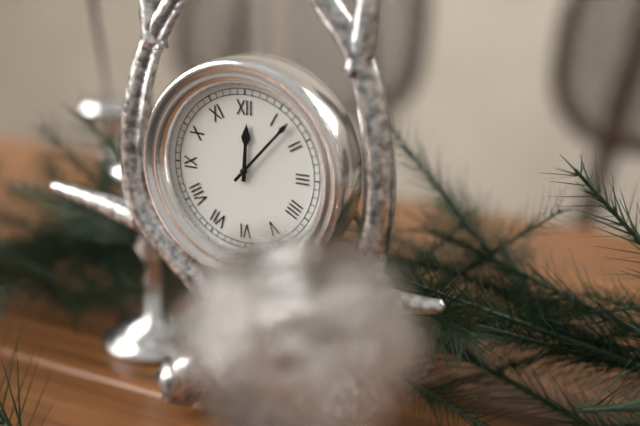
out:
{"hour": 12, "minute": 7}
